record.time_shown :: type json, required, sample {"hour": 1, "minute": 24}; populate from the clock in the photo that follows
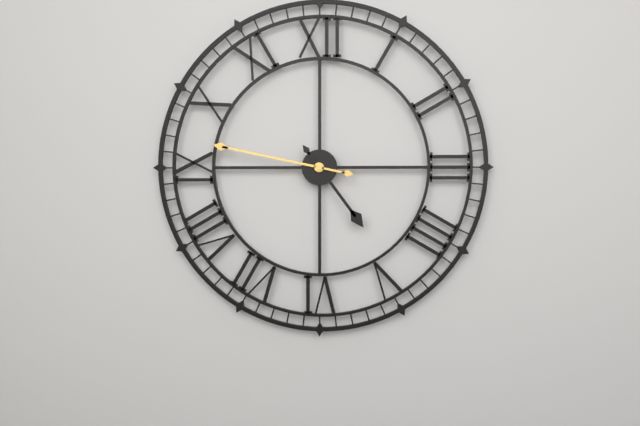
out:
{"hour": 4, "minute": 47}
